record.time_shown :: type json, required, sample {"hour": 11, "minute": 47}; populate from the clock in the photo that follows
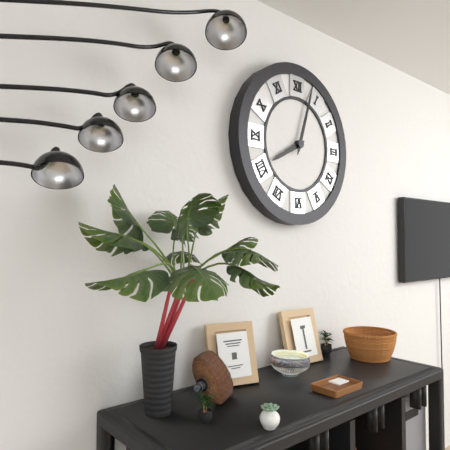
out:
{"hour": 8, "minute": 3}
